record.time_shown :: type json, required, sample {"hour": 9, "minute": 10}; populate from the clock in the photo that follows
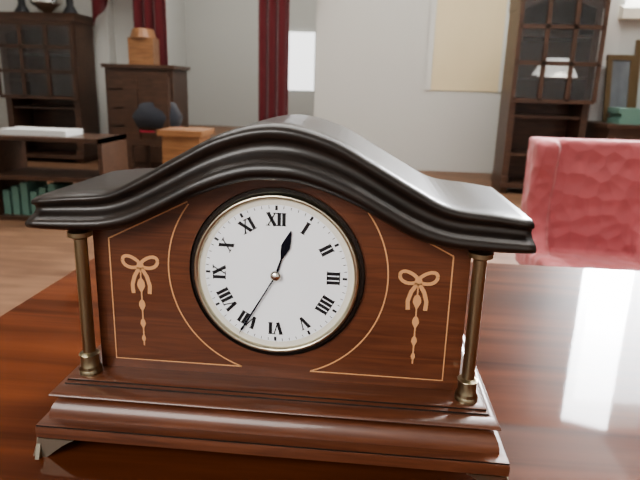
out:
{"hour": 12, "minute": 35}
